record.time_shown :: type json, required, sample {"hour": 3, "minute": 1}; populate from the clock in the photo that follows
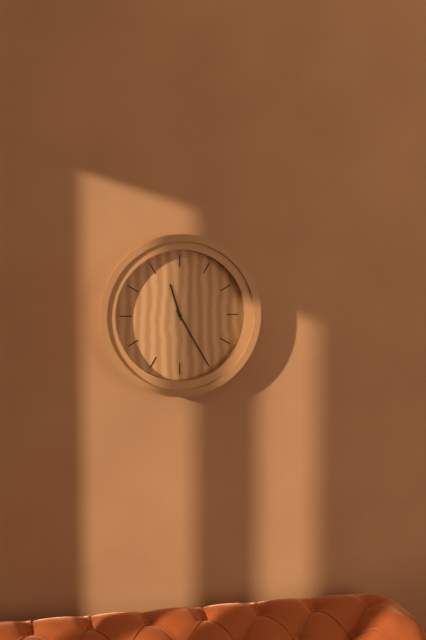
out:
{"hour": 11, "minute": 25}
